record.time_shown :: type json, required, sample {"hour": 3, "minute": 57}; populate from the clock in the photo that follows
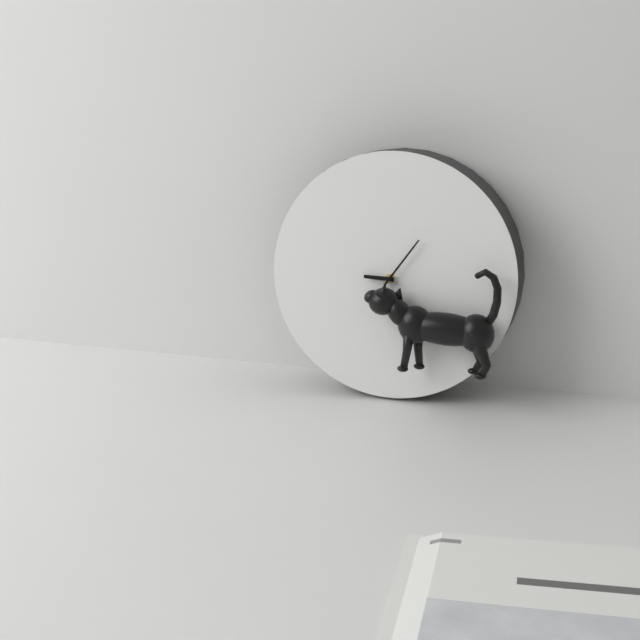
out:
{"hour": 9, "minute": 6}
